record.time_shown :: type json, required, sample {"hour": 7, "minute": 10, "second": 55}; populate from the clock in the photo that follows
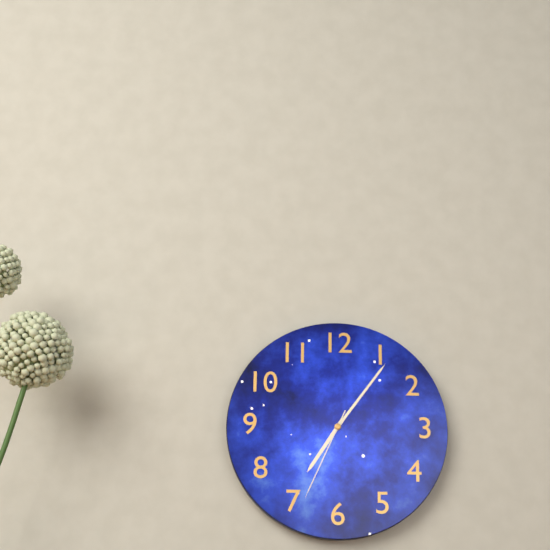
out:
{"hour": 7, "minute": 6, "second": 34}
